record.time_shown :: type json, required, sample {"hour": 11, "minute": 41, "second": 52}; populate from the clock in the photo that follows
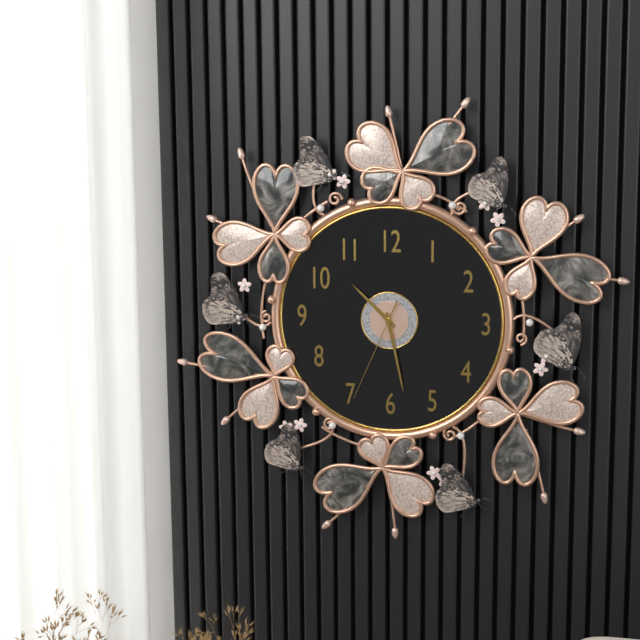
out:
{"hour": 10, "minute": 28, "second": 34}
